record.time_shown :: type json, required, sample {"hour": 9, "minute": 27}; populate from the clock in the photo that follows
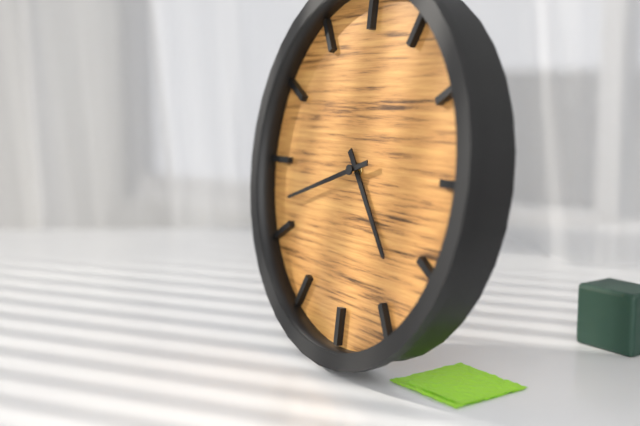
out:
{"hour": 4, "minute": 42}
